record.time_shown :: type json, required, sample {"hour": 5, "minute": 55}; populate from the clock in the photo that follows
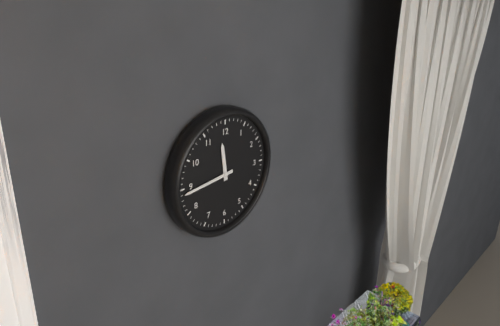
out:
{"hour": 11, "minute": 44}
